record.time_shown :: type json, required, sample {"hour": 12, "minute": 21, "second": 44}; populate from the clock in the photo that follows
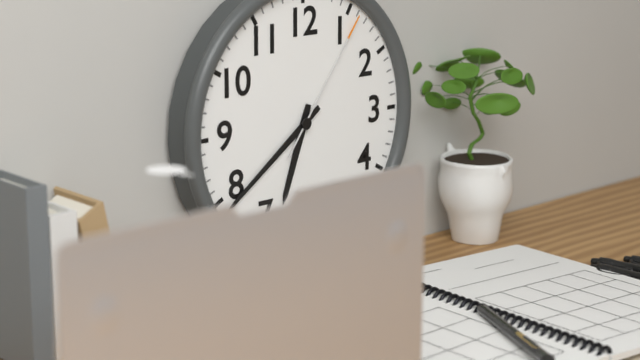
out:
{"hour": 6, "minute": 39, "second": 6}
